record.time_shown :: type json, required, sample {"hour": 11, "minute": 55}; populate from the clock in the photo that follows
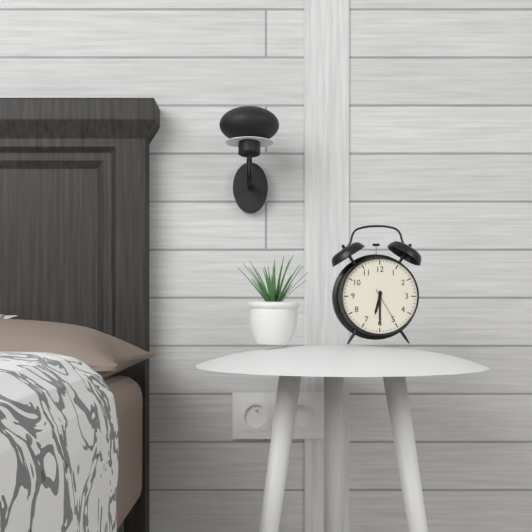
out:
{"hour": 6, "minute": 30}
